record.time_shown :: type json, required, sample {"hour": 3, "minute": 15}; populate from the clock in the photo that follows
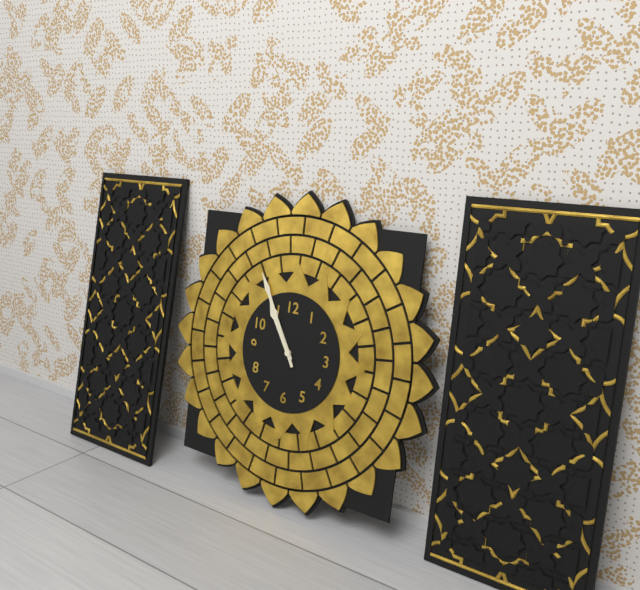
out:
{"hour": 10, "minute": 55}
